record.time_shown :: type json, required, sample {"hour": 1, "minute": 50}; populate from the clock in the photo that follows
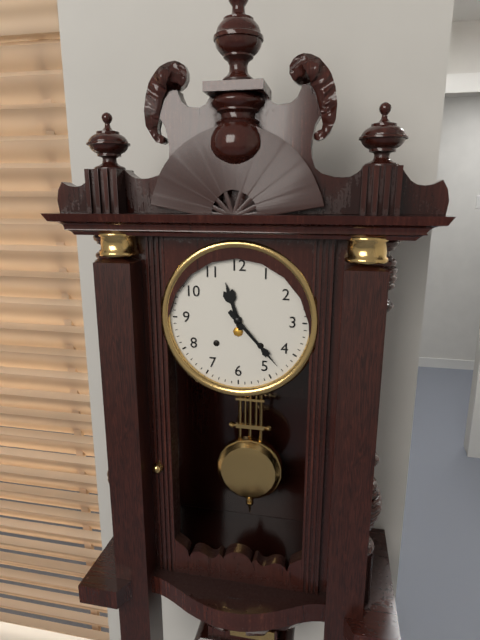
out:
{"hour": 11, "minute": 23}
